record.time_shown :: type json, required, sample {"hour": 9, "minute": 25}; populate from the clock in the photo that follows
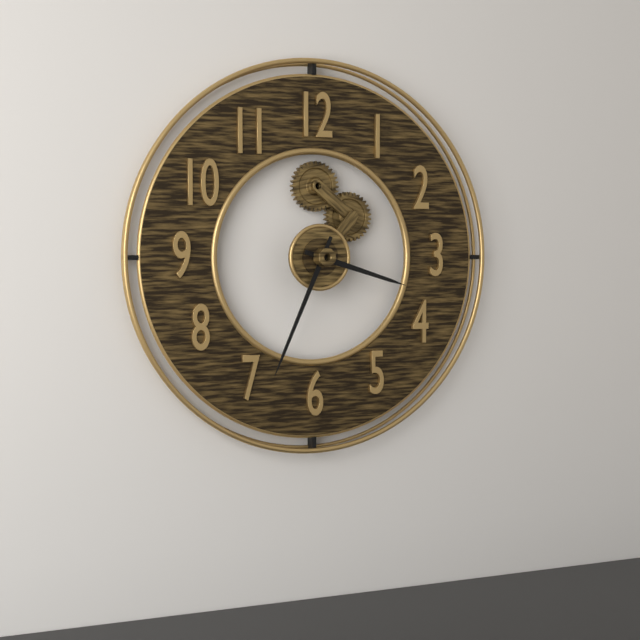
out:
{"hour": 3, "minute": 34}
